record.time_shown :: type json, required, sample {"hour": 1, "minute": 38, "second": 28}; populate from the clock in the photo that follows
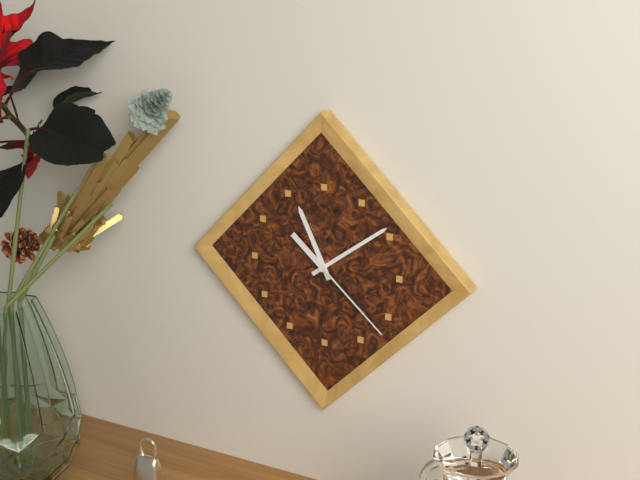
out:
{"hour": 11, "minute": 9, "second": 22}
